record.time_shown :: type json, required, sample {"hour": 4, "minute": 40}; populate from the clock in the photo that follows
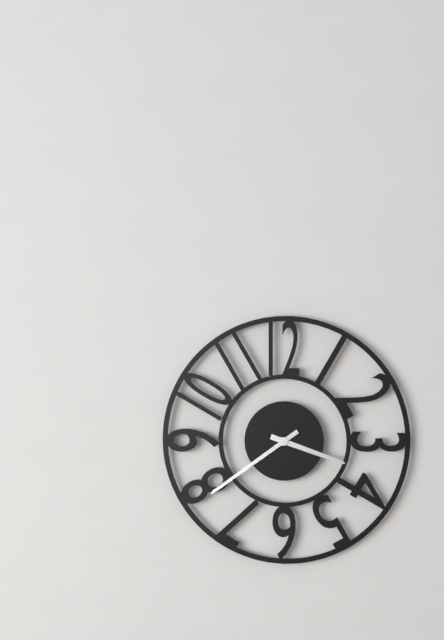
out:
{"hour": 3, "minute": 39}
